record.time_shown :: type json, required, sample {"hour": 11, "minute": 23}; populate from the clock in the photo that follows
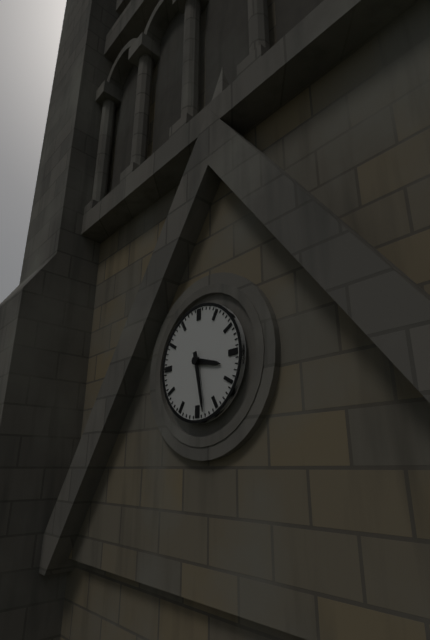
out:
{"hour": 3, "minute": 28}
